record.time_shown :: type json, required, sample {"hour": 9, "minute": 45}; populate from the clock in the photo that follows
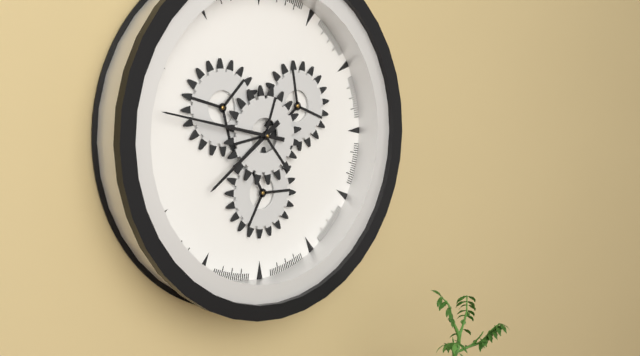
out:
{"hour": 7, "minute": 47}
